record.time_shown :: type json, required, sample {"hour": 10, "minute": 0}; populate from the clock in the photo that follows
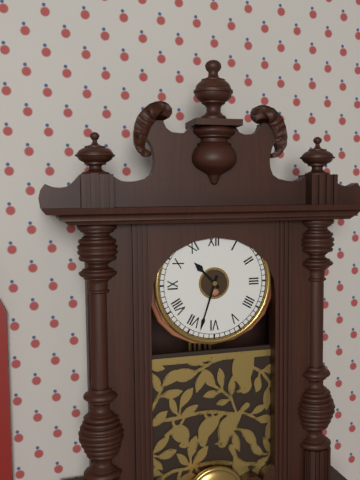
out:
{"hour": 10, "minute": 33}
